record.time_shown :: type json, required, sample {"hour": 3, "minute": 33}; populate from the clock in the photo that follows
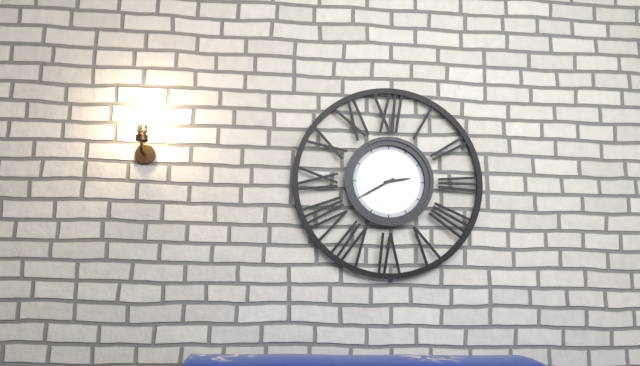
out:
{"hour": 2, "minute": 40}
